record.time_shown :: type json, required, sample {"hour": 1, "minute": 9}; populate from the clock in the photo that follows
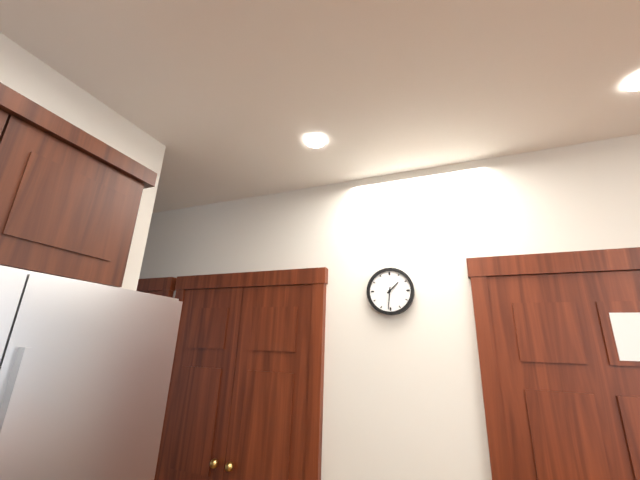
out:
{"hour": 1, "minute": 31}
